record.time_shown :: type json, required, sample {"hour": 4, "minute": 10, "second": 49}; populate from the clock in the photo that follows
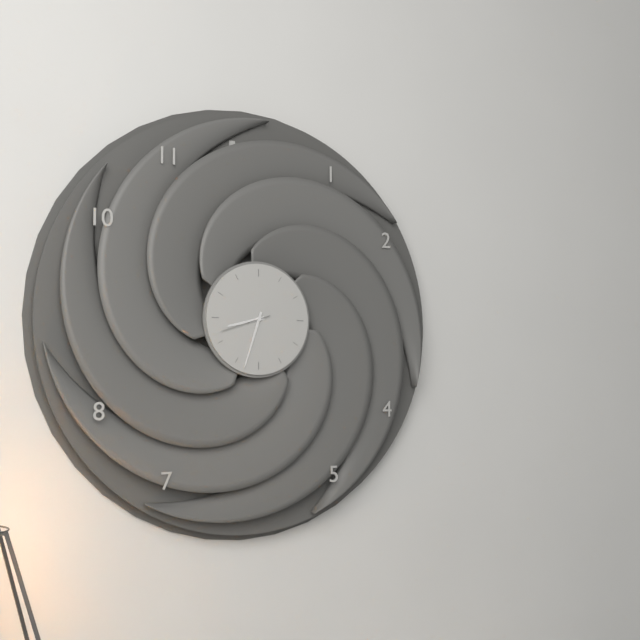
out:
{"hour": 8, "minute": 33, "second": 42}
